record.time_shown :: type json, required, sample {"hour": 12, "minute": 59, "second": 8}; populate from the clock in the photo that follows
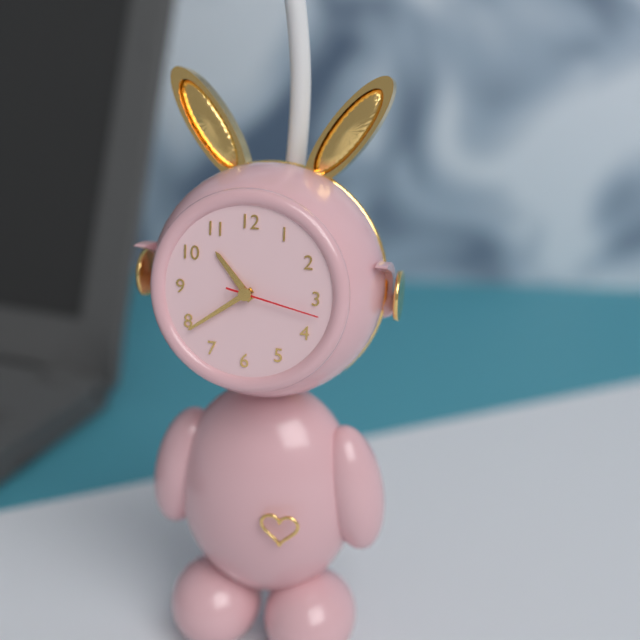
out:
{"hour": 10, "minute": 39, "second": 17}
